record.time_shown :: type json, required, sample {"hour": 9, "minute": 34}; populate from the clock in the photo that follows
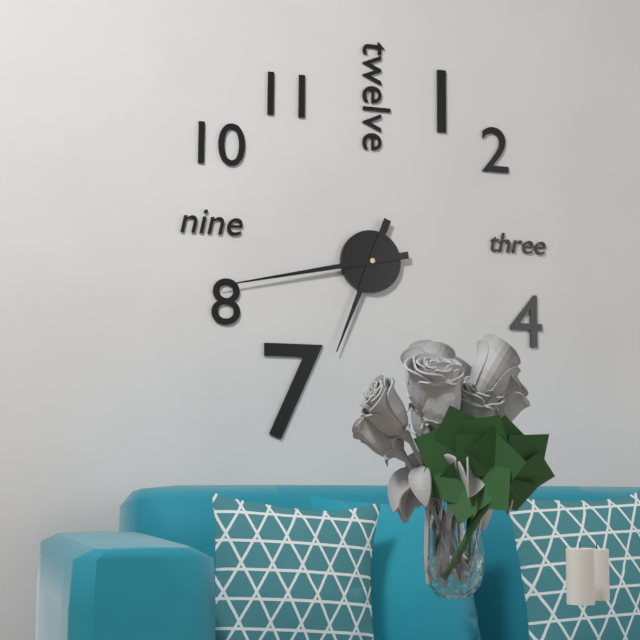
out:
{"hour": 6, "minute": 43}
